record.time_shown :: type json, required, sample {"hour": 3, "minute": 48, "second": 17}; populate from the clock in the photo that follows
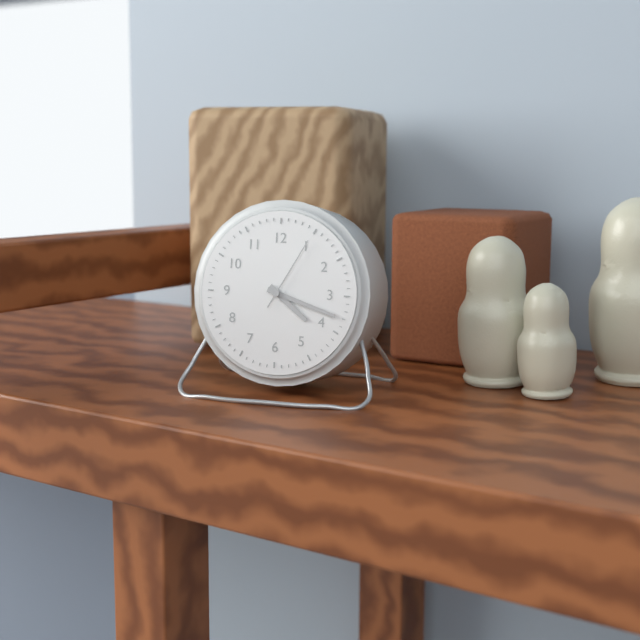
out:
{"hour": 4, "minute": 18, "second": 5}
